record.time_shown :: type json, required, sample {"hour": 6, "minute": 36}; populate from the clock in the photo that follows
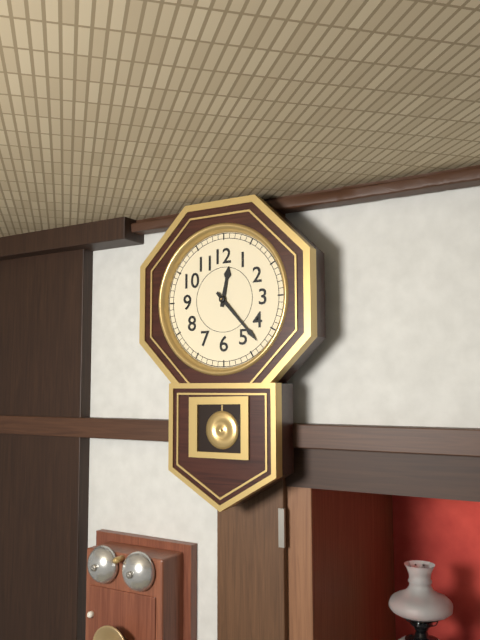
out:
{"hour": 12, "minute": 23}
